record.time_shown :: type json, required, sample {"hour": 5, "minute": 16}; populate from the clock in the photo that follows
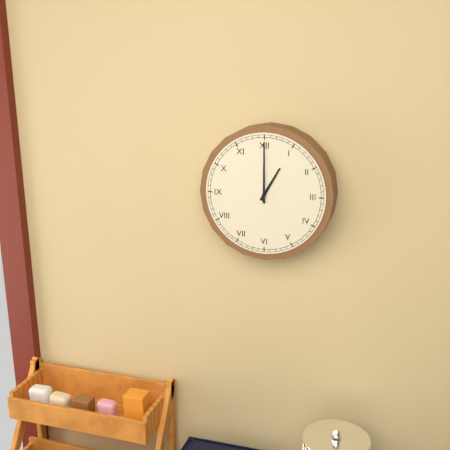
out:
{"hour": 1, "minute": 0}
